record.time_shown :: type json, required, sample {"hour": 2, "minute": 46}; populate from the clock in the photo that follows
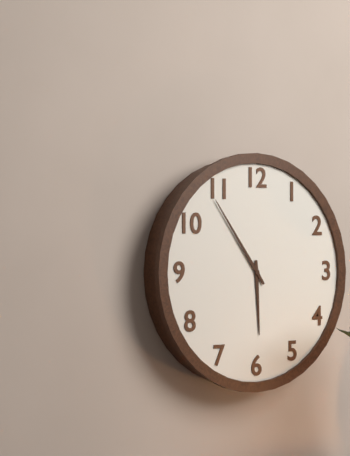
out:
{"hour": 5, "minute": 54}
